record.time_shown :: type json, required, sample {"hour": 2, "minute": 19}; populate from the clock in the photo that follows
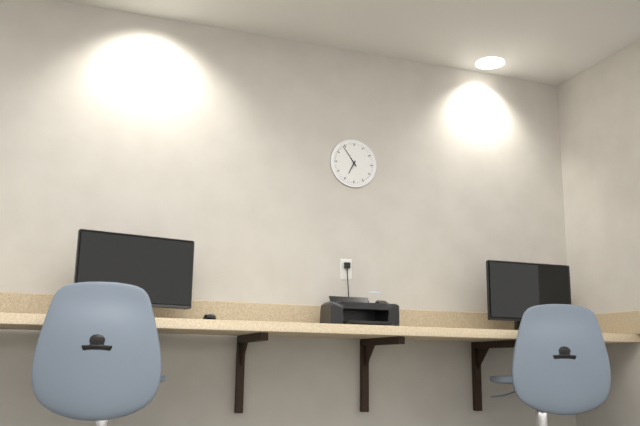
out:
{"hour": 6, "minute": 54}
